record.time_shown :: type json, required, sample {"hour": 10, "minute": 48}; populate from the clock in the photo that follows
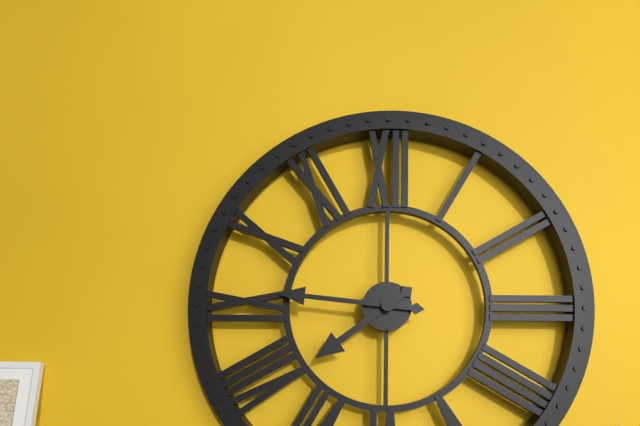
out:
{"hour": 7, "minute": 46}
